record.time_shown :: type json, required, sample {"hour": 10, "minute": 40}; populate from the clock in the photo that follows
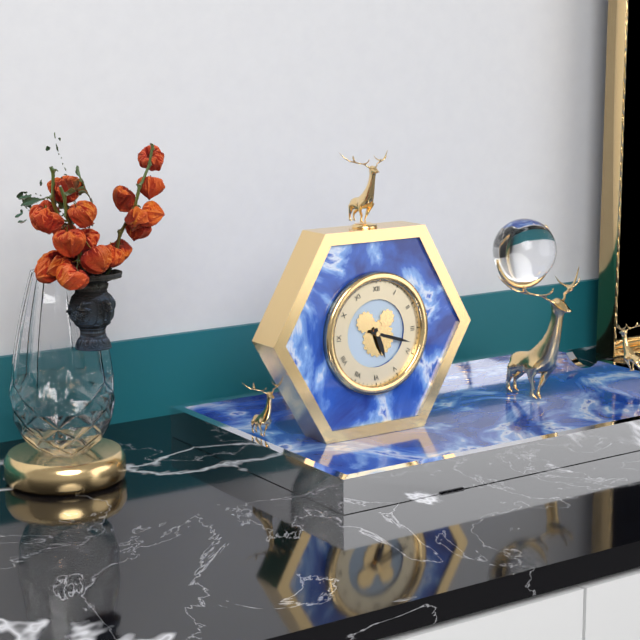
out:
{"hour": 5, "minute": 18}
